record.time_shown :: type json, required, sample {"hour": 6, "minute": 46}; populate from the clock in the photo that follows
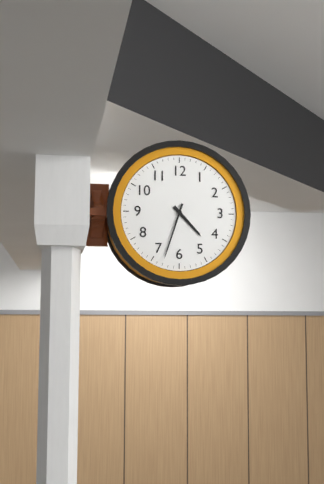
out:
{"hour": 4, "minute": 33}
